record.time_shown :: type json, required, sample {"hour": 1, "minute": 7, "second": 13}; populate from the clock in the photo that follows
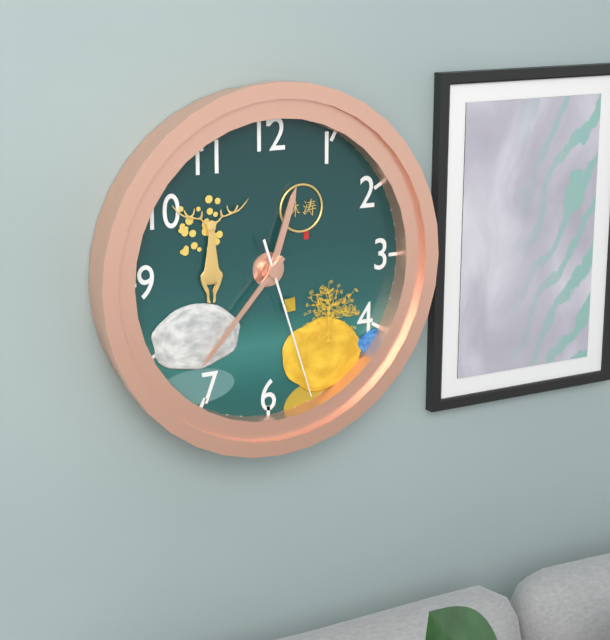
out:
{"hour": 12, "minute": 37, "second": 27}
